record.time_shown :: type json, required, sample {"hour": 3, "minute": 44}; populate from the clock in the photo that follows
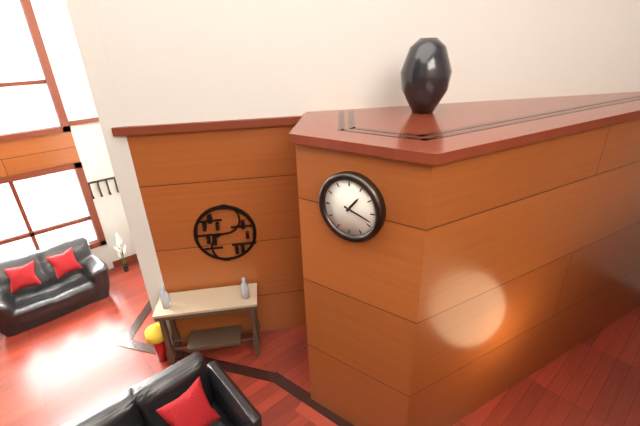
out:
{"hour": 1, "minute": 18}
